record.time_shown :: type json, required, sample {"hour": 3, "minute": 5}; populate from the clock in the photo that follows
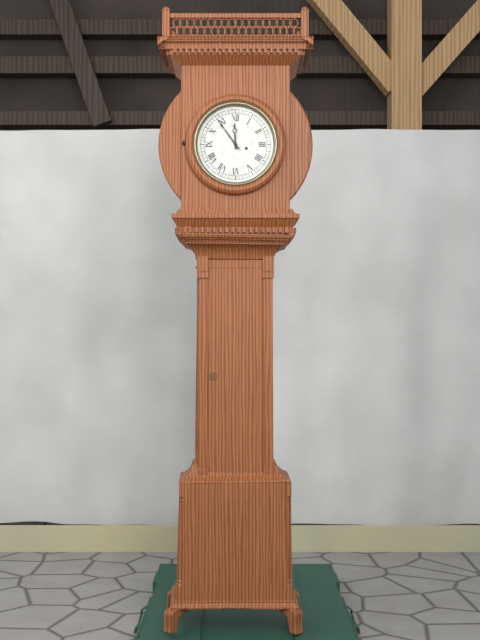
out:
{"hour": 11, "minute": 54}
